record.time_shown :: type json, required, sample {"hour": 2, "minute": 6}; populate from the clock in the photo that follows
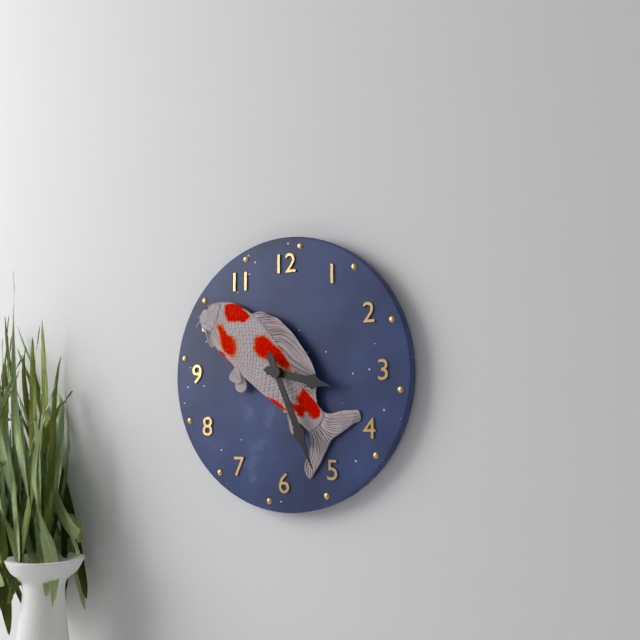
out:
{"hour": 3, "minute": 26}
